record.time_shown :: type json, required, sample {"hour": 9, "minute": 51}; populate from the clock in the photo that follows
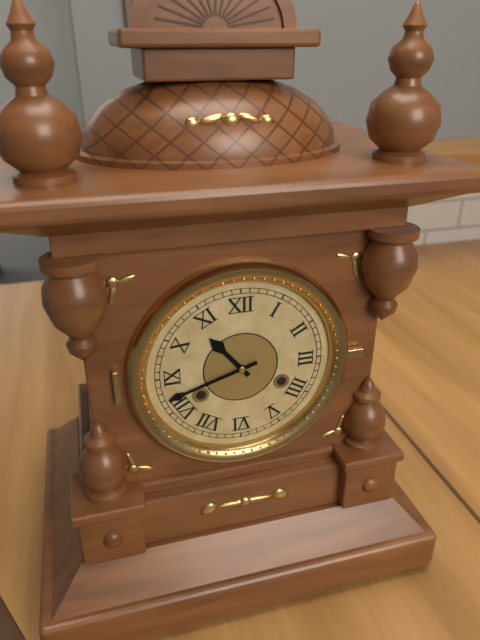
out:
{"hour": 10, "minute": 42}
